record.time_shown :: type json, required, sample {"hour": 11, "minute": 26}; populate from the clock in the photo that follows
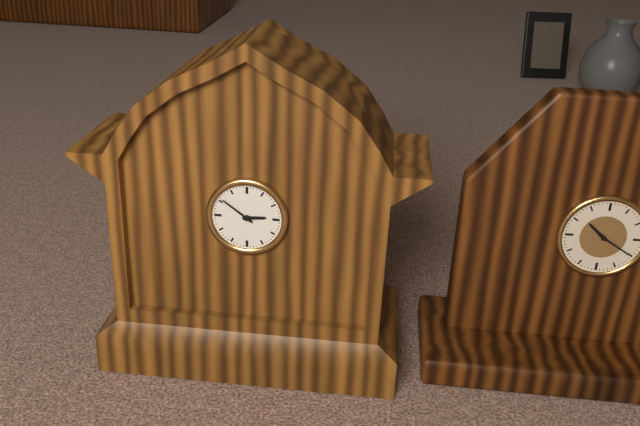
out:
{"hour": 2, "minute": 51}
